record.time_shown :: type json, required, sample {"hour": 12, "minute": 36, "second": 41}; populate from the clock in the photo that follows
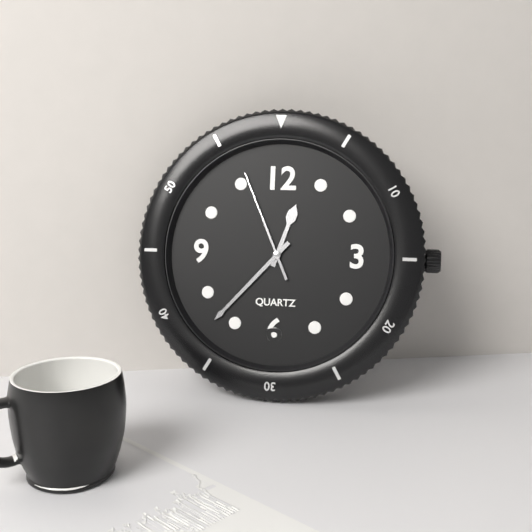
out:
{"hour": 12, "minute": 37, "second": 56}
